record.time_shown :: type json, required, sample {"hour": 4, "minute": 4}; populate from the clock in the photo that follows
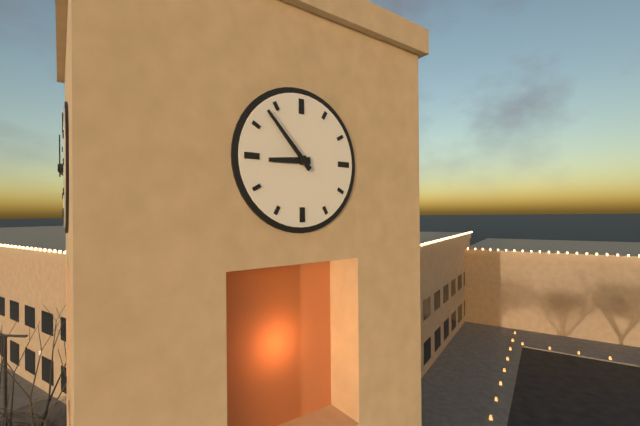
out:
{"hour": 8, "minute": 53}
